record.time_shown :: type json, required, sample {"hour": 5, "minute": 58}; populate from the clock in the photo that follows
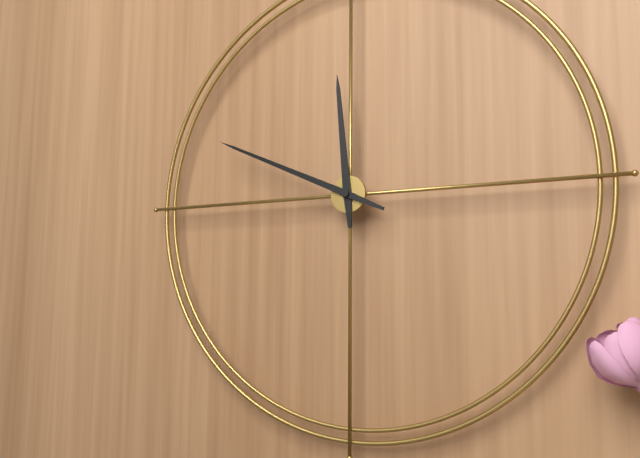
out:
{"hour": 11, "minute": 49}
